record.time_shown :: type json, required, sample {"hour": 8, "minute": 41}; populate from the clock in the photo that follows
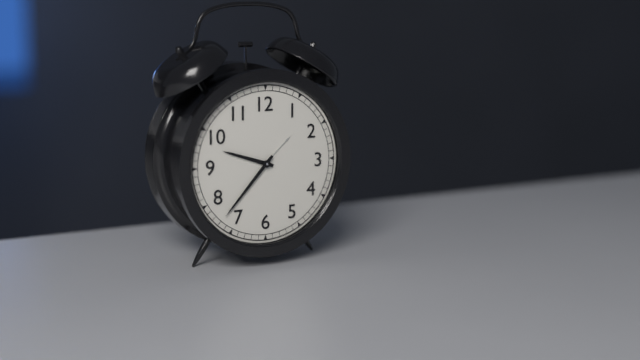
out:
{"hour": 9, "minute": 37}
